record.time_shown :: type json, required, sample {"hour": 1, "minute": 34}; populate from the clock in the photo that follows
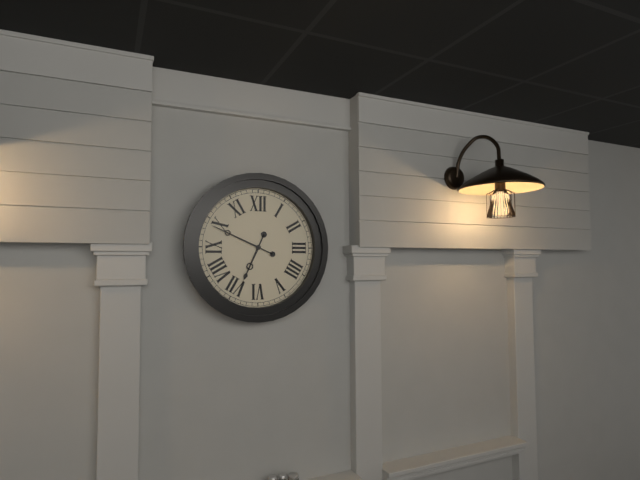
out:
{"hour": 6, "minute": 49}
